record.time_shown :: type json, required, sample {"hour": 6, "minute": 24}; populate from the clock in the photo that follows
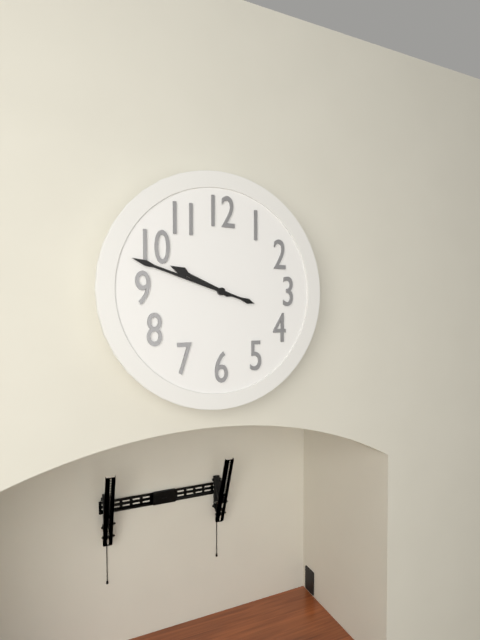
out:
{"hour": 9, "minute": 48}
